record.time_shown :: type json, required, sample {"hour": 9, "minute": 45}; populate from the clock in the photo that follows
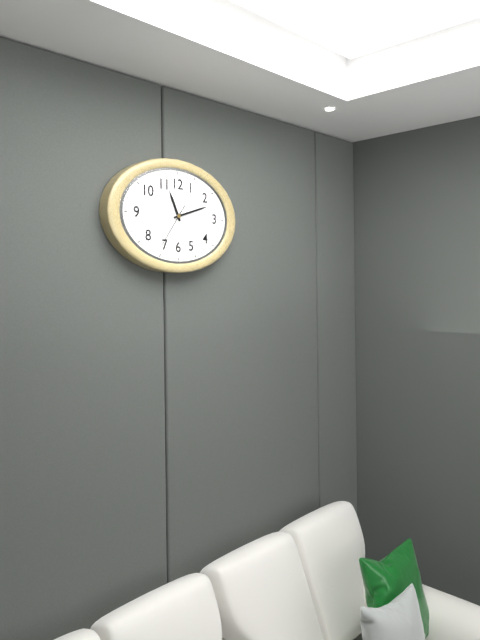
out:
{"hour": 11, "minute": 12}
